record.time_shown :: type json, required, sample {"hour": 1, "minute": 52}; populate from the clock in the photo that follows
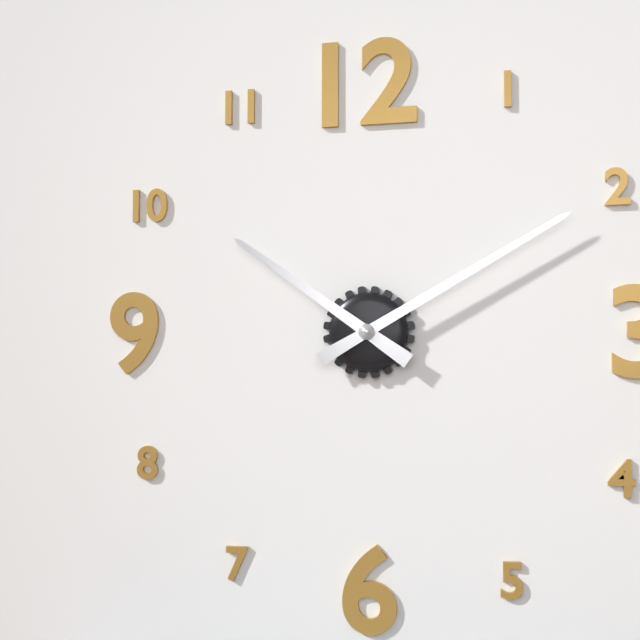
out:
{"hour": 10, "minute": 10}
